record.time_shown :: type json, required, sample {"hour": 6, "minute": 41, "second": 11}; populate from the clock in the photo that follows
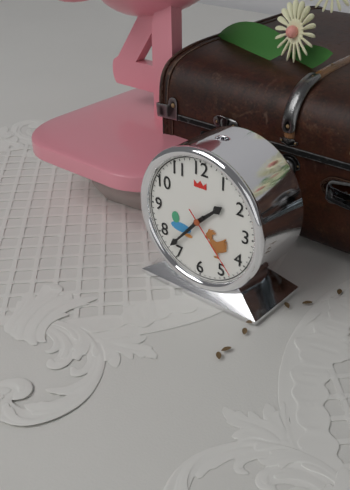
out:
{"hour": 1, "minute": 37, "second": 23}
